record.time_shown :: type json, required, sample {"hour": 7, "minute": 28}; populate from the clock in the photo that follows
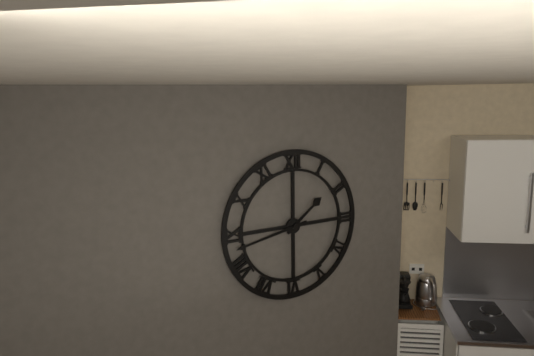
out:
{"hour": 1, "minute": 43}
